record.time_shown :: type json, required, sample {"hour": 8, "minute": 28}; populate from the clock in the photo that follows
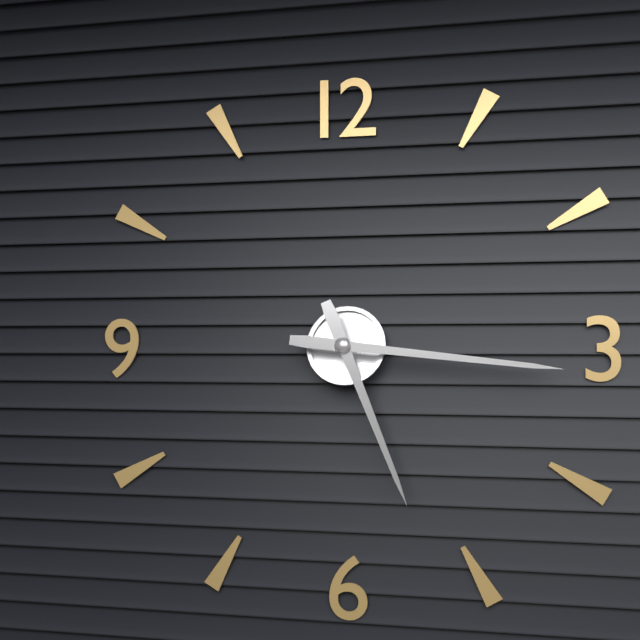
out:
{"hour": 5, "minute": 16}
